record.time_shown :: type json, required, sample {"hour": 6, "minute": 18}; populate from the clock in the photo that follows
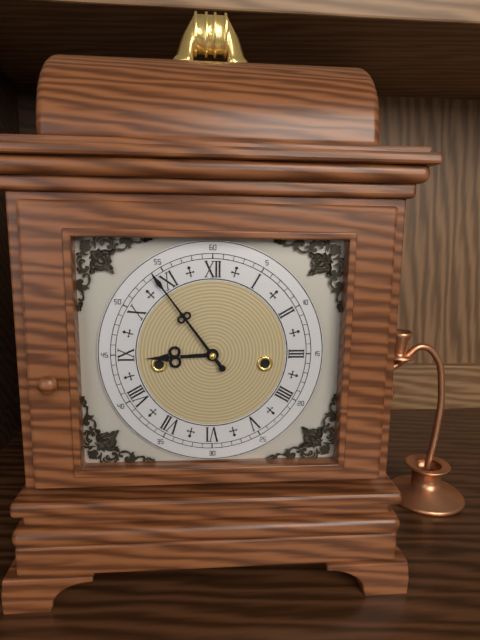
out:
{"hour": 8, "minute": 54}
